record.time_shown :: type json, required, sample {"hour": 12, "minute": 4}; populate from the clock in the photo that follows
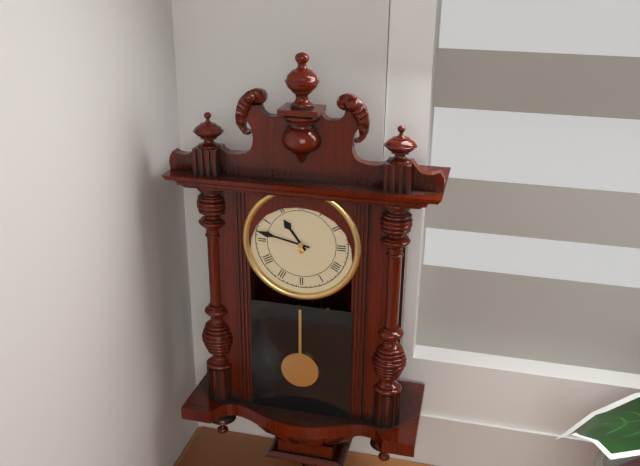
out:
{"hour": 10, "minute": 47}
